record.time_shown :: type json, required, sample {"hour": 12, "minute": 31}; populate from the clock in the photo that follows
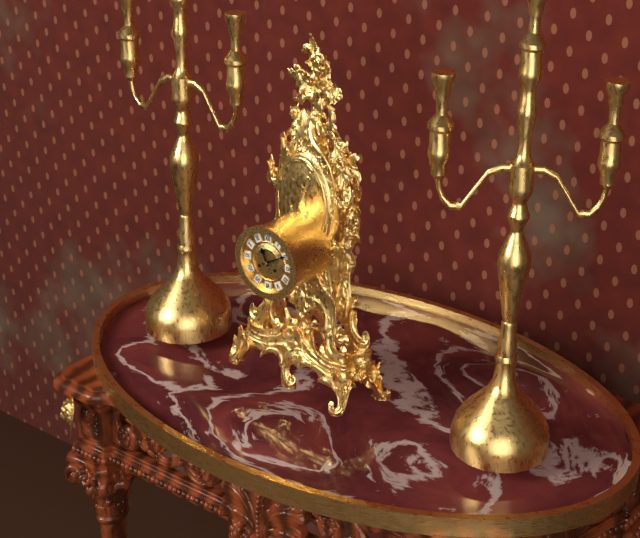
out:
{"hour": 11, "minute": 10}
